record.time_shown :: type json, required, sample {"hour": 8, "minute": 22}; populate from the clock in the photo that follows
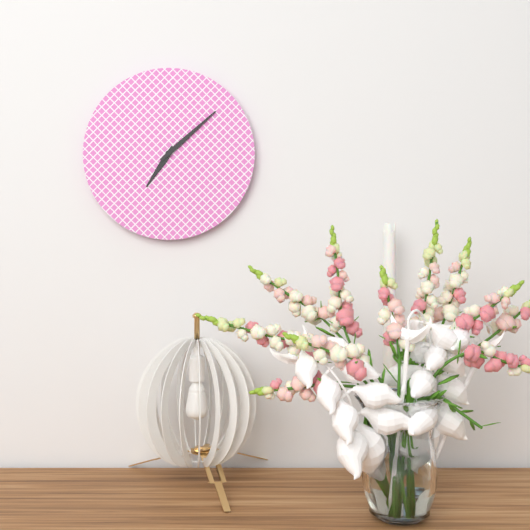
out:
{"hour": 7, "minute": 8}
